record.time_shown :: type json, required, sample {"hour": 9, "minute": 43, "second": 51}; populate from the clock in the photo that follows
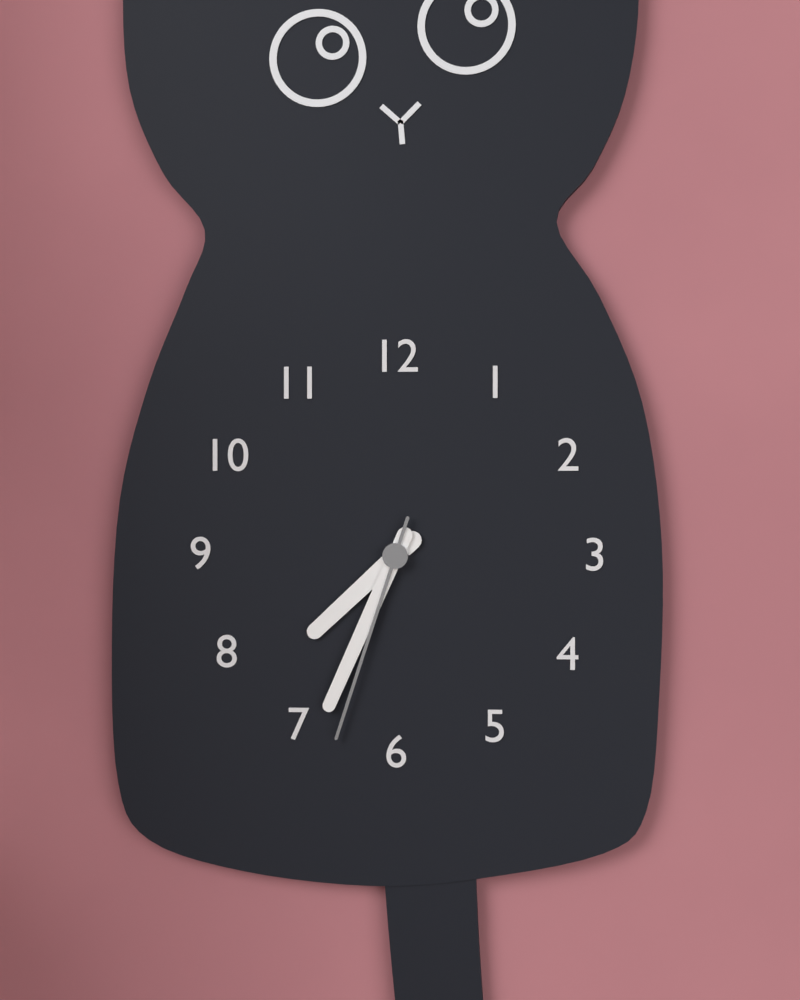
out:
{"hour": 7, "minute": 34, "second": 33}
